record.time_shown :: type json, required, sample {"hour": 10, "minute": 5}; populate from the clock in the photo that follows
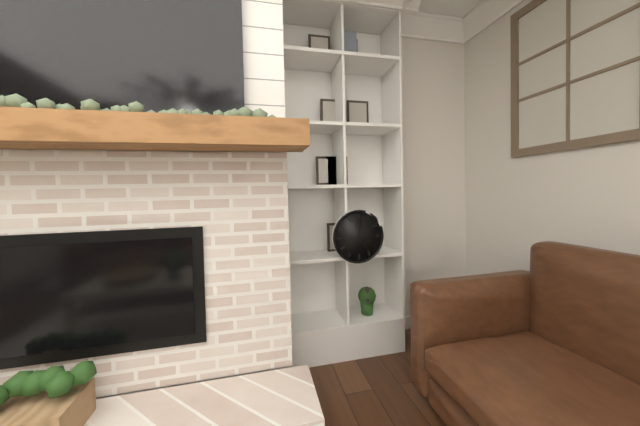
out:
{"hour": 5, "minute": 2}
